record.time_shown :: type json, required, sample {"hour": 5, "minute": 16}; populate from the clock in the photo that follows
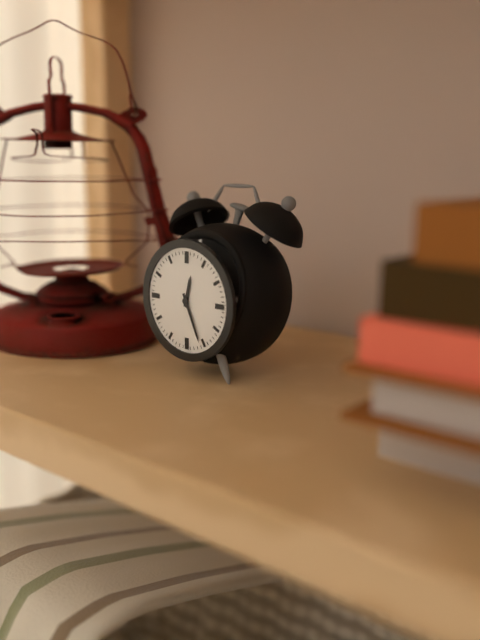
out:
{"hour": 12, "minute": 26}
